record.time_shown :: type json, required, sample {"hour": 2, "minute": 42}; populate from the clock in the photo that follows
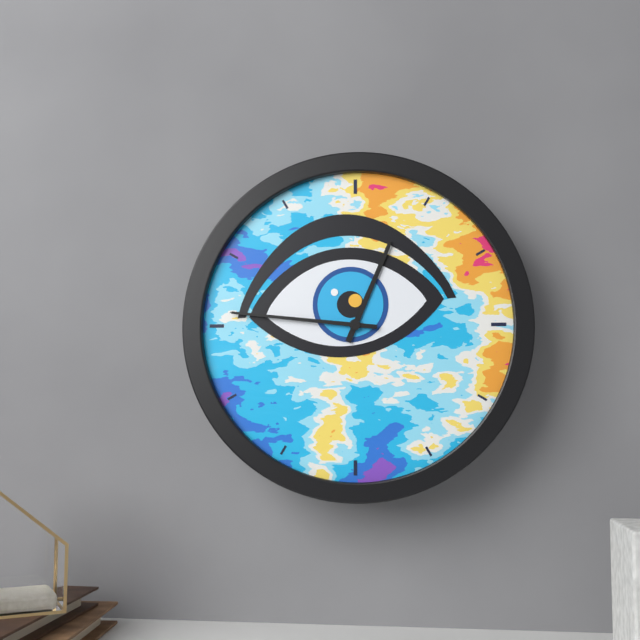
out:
{"hour": 12, "minute": 46}
